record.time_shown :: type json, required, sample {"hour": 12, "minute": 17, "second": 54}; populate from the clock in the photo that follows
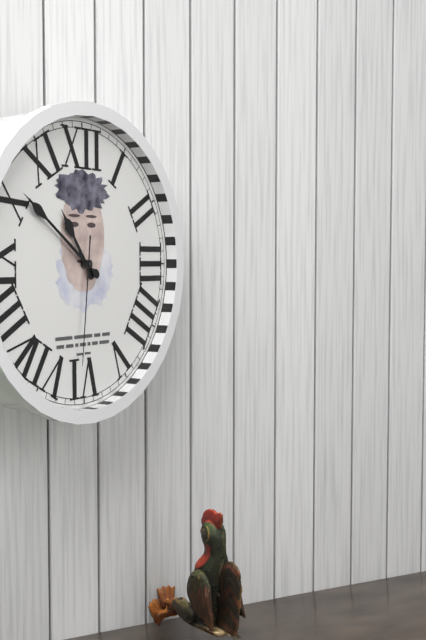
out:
{"hour": 10, "minute": 51, "second": 31}
